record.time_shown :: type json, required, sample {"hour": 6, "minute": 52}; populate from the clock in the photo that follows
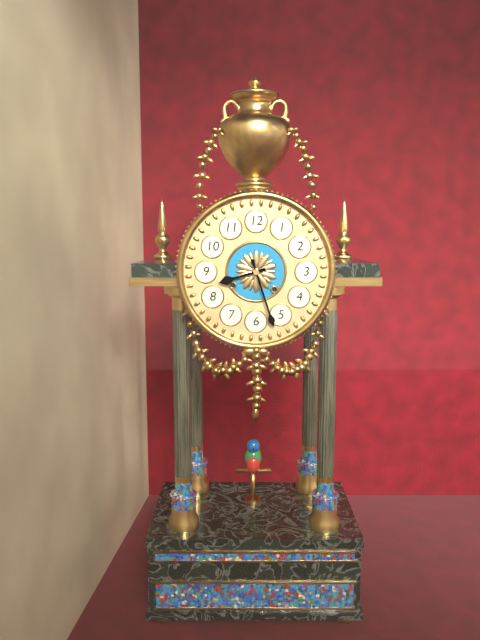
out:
{"hour": 8, "minute": 27}
